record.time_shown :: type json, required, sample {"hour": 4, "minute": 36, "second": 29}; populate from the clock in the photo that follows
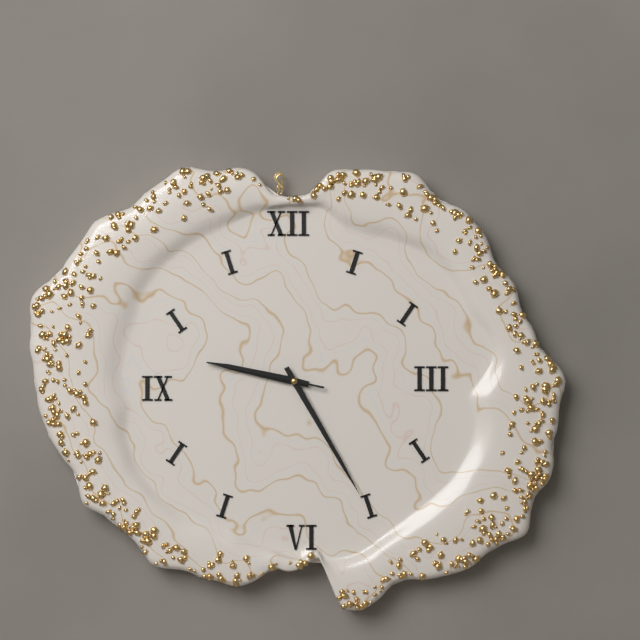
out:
{"hour": 9, "minute": 25, "second": 47}
